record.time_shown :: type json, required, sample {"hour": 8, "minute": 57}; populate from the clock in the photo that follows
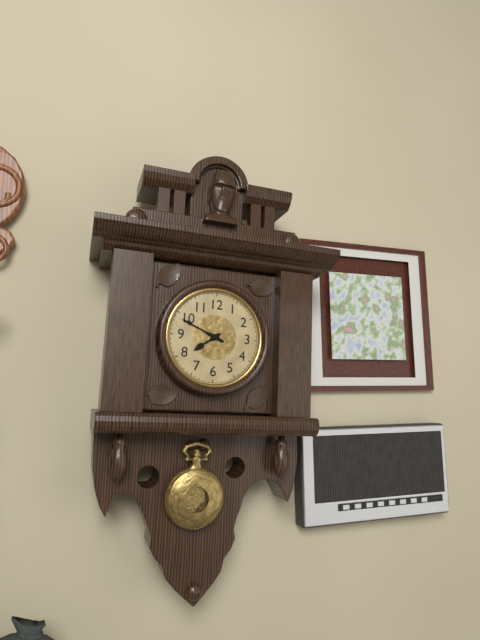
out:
{"hour": 7, "minute": 49}
